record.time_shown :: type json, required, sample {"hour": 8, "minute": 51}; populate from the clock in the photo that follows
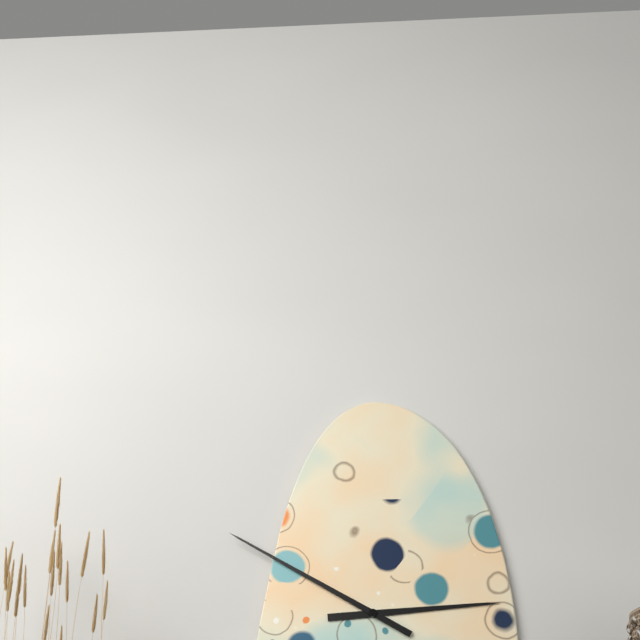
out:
{"hour": 2, "minute": 50}
